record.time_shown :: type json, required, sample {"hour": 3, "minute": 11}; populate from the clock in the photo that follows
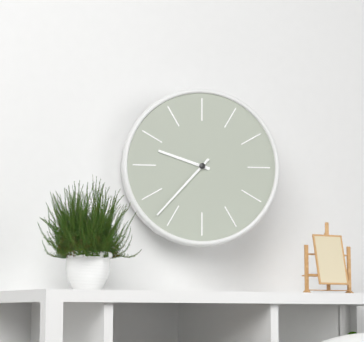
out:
{"hour": 9, "minute": 37}
